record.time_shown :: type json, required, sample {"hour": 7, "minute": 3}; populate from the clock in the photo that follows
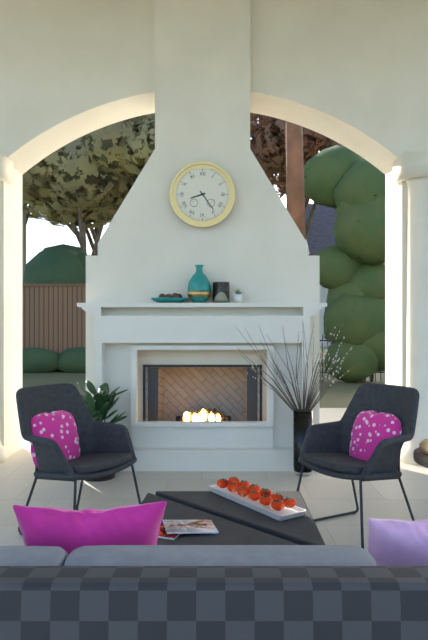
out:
{"hour": 8, "minute": 24}
